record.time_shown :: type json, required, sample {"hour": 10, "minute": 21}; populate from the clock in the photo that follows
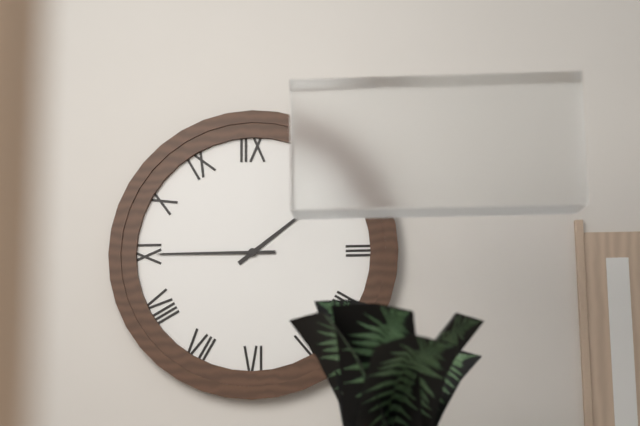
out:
{"hour": 1, "minute": 45}
